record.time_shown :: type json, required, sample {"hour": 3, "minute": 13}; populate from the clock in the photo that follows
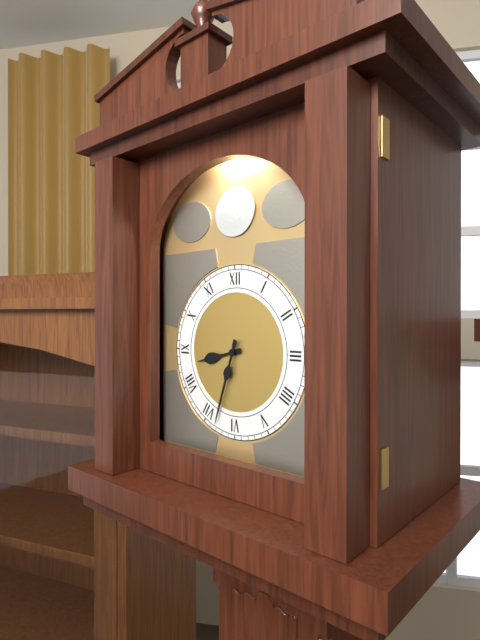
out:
{"hour": 8, "minute": 33}
